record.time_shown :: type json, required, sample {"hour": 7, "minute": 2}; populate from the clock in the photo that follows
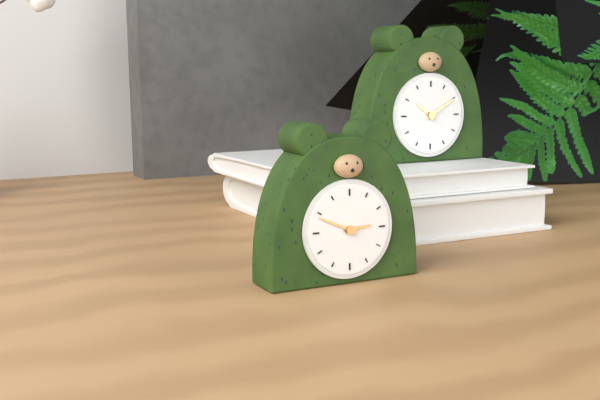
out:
{"hour": 2, "minute": 49}
